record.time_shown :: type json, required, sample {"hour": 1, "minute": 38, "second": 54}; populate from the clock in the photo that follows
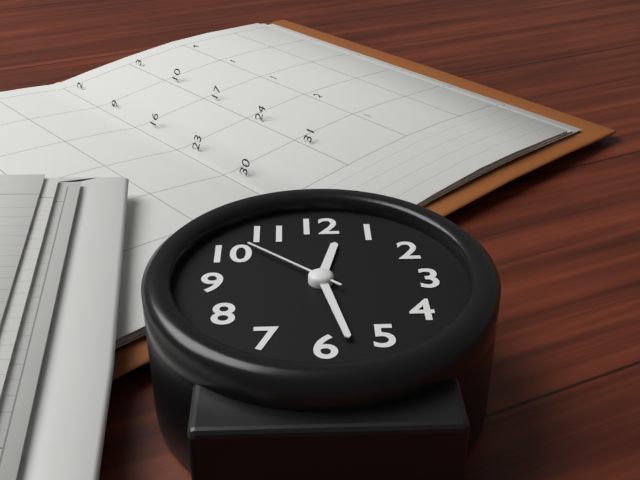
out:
{"hour": 12, "minute": 28, "second": 52}
